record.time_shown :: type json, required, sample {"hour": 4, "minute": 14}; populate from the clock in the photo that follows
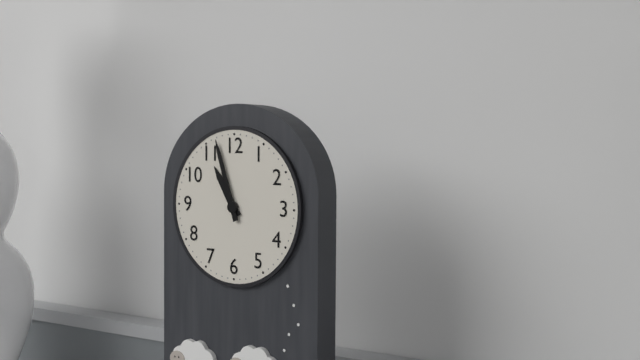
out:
{"hour": 10, "minute": 57}
